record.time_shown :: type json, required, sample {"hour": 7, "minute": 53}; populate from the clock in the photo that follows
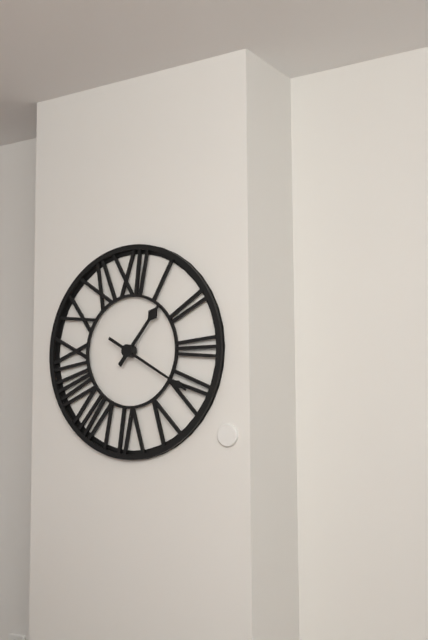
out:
{"hour": 1, "minute": 20}
